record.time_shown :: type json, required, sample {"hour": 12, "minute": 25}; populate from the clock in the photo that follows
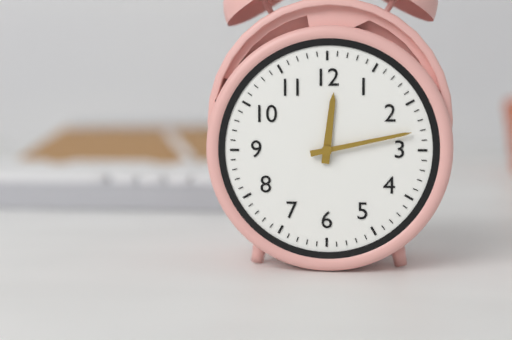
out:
{"hour": 12, "minute": 13}
